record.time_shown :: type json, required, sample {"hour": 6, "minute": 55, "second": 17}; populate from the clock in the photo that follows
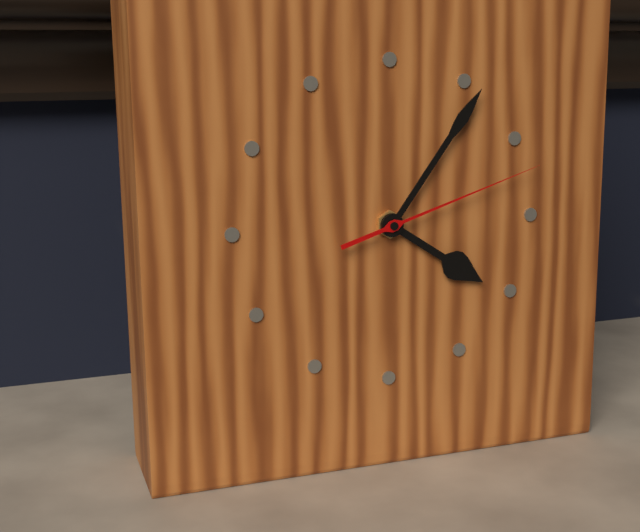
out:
{"hour": 4, "minute": 6, "second": 12}
